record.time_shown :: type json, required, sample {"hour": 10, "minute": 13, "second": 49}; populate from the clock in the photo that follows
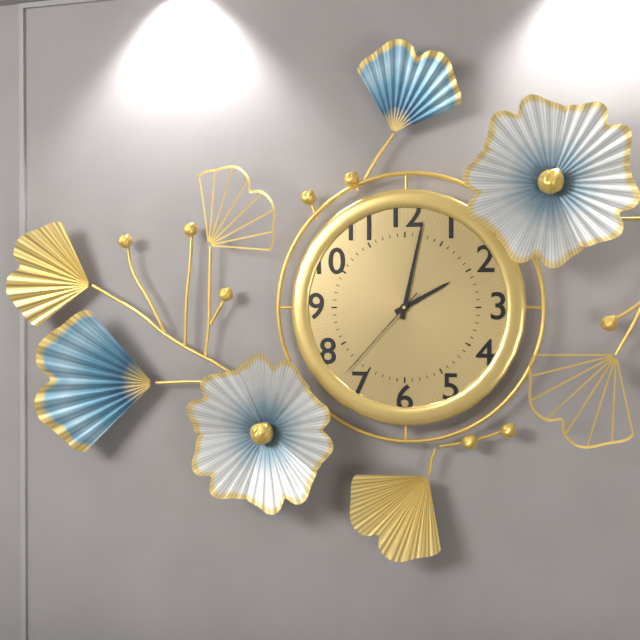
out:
{"hour": 2, "minute": 2, "second": 37}
